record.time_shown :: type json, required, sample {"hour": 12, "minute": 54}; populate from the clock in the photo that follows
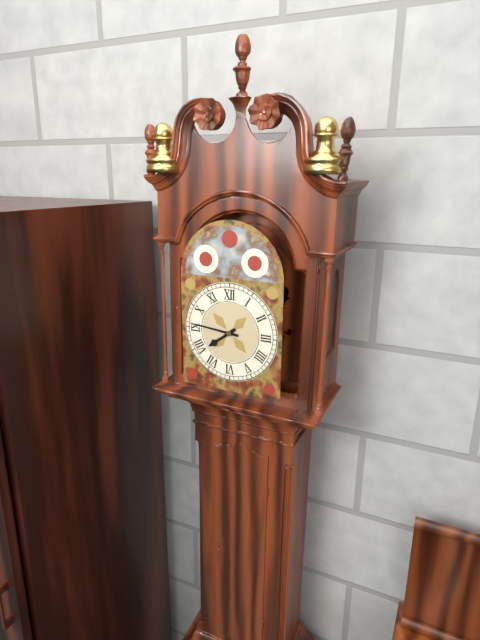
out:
{"hour": 7, "minute": 46}
